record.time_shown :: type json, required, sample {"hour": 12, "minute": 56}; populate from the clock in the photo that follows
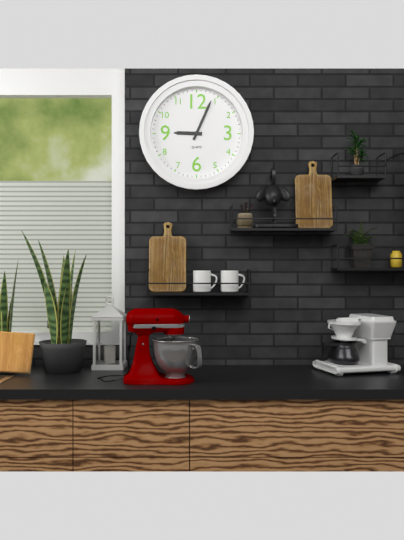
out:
{"hour": 9, "minute": 4}
